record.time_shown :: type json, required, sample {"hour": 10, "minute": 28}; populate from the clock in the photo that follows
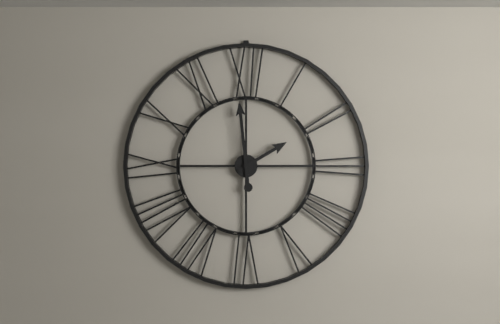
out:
{"hour": 1, "minute": 59}
